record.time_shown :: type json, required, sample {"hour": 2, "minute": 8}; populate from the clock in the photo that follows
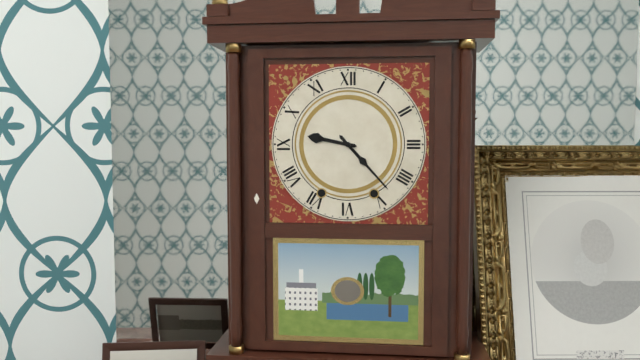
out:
{"hour": 9, "minute": 23}
